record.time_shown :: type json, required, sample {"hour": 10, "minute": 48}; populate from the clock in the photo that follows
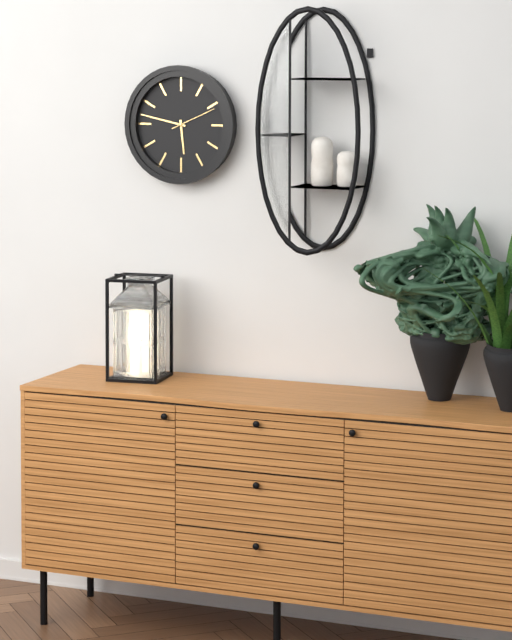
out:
{"hour": 5, "minute": 47}
